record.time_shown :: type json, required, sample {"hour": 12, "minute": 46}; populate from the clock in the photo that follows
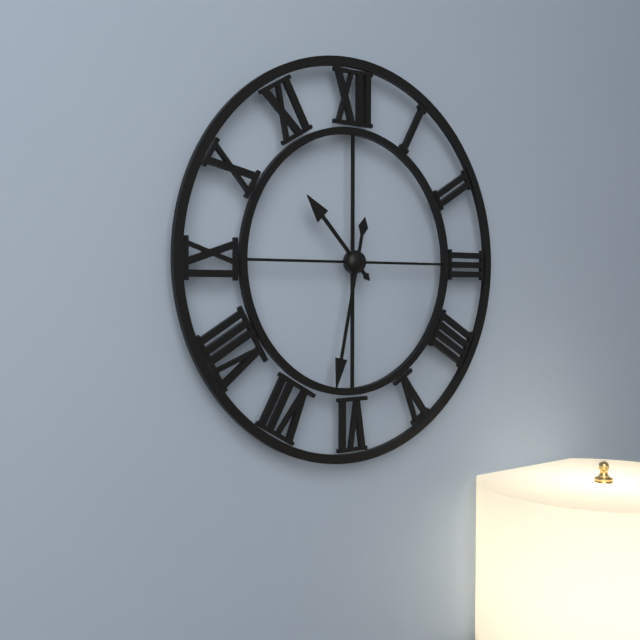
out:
{"hour": 10, "minute": 32}
